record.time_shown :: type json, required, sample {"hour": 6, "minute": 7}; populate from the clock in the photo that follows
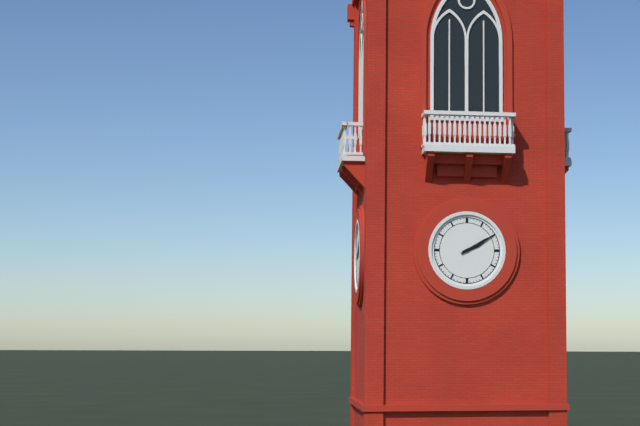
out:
{"hour": 2, "minute": 10}
